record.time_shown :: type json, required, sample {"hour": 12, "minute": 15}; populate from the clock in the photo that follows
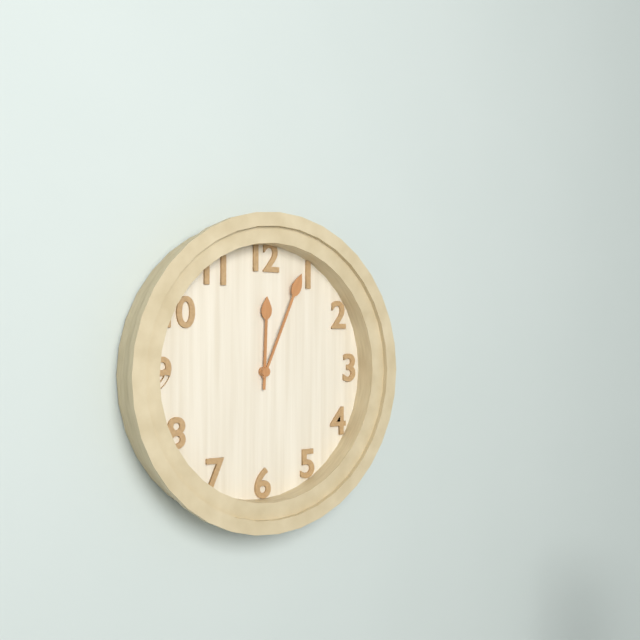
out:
{"hour": 12, "minute": 4}
